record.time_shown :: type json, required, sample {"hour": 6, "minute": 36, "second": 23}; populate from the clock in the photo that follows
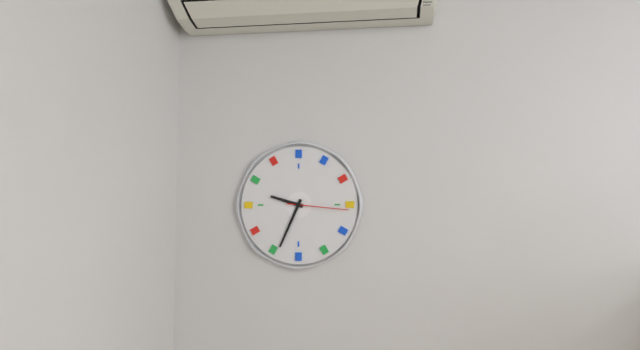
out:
{"hour": 9, "minute": 34, "second": 16}
